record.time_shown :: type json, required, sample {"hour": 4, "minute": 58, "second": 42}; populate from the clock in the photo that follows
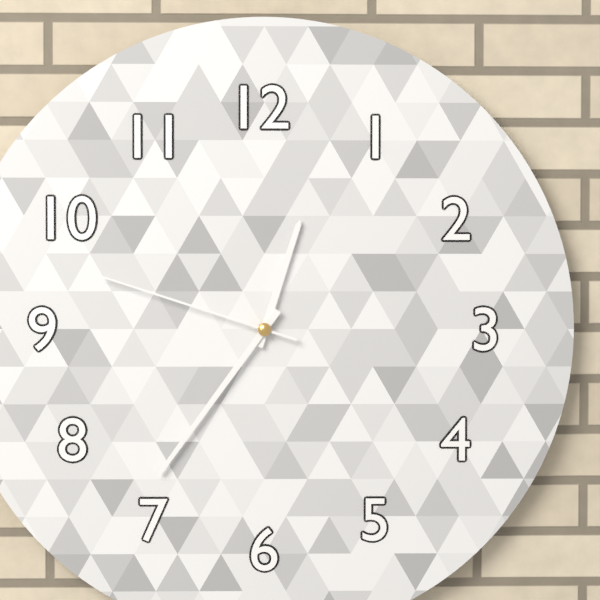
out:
{"hour": 12, "minute": 36, "second": 48}
